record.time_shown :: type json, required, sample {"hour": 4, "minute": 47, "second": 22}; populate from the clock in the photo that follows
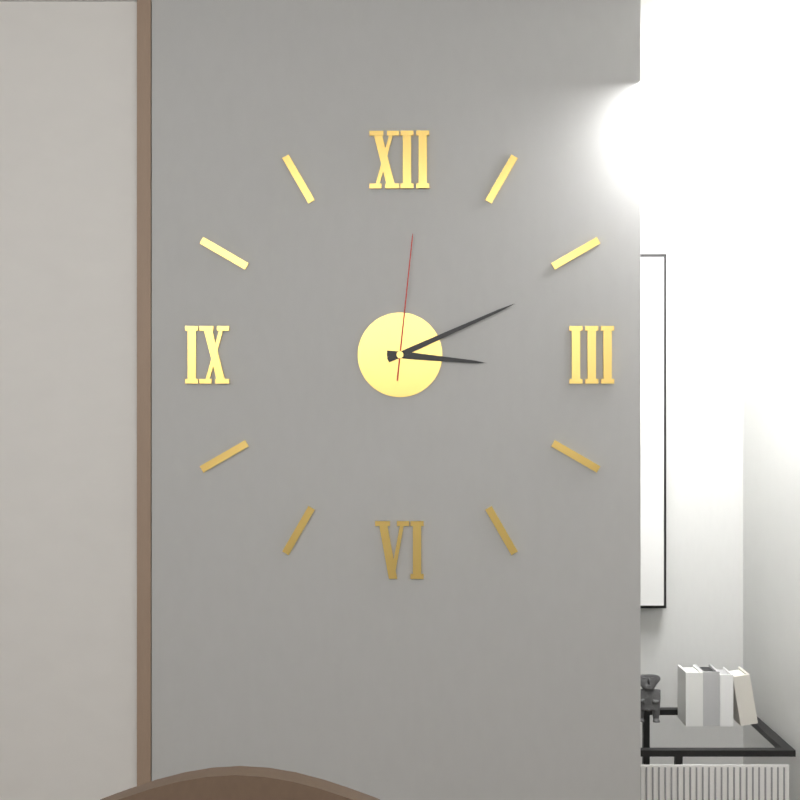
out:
{"hour": 3, "minute": 11, "second": 1}
